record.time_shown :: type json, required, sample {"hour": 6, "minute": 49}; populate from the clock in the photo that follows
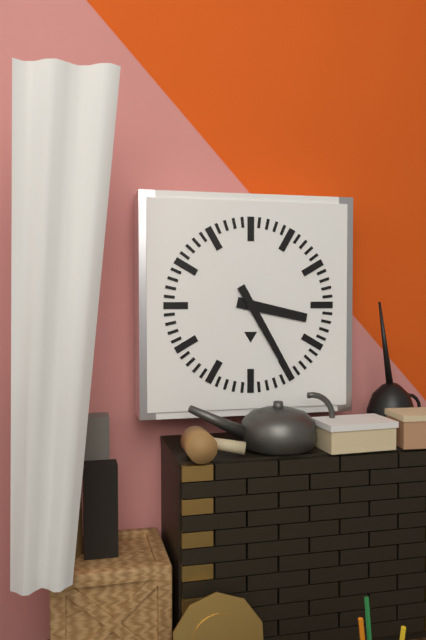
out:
{"hour": 3, "minute": 25}
